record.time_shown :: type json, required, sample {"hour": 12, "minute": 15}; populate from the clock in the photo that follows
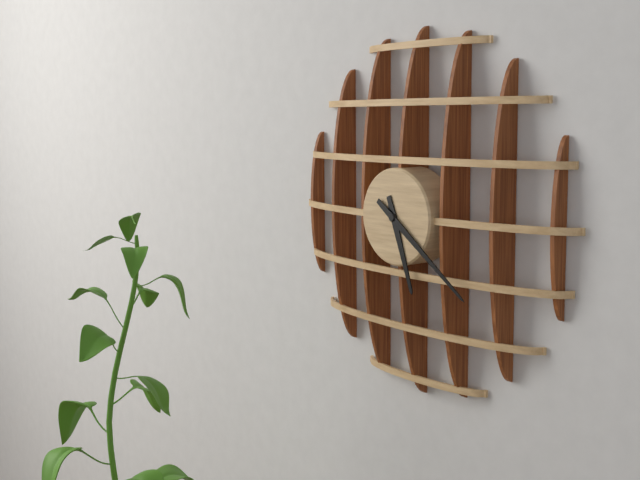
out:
{"hour": 5, "minute": 21}
